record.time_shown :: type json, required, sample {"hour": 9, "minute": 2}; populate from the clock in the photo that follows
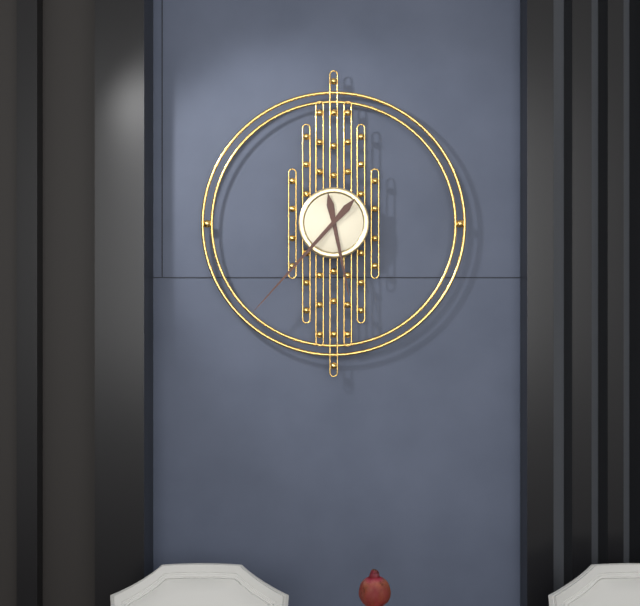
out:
{"hour": 5, "minute": 37}
